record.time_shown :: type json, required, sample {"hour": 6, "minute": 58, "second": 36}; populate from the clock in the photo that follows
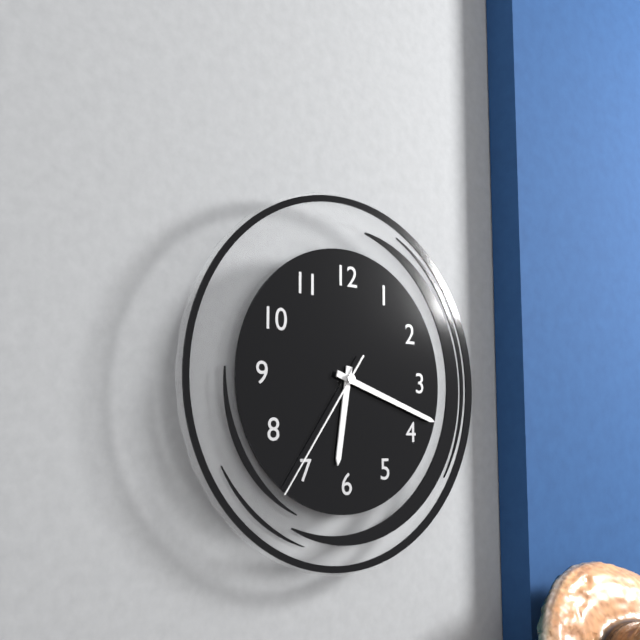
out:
{"hour": 6, "minute": 18, "second": 36}
